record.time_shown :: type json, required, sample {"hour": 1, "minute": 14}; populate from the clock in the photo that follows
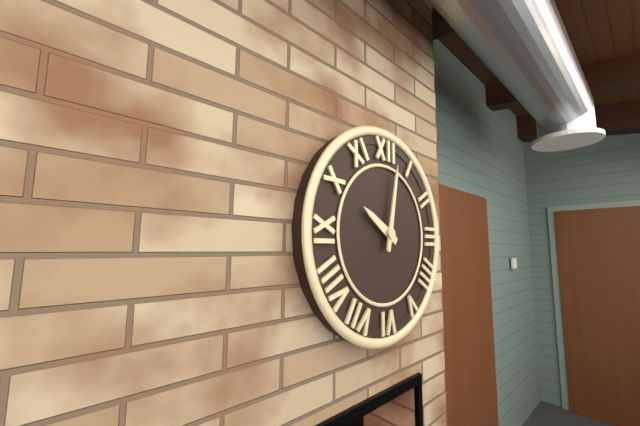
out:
{"hour": 10, "minute": 2}
